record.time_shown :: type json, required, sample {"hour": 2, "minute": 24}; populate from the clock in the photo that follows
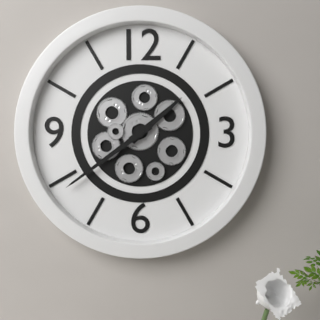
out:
{"hour": 1, "minute": 39}
